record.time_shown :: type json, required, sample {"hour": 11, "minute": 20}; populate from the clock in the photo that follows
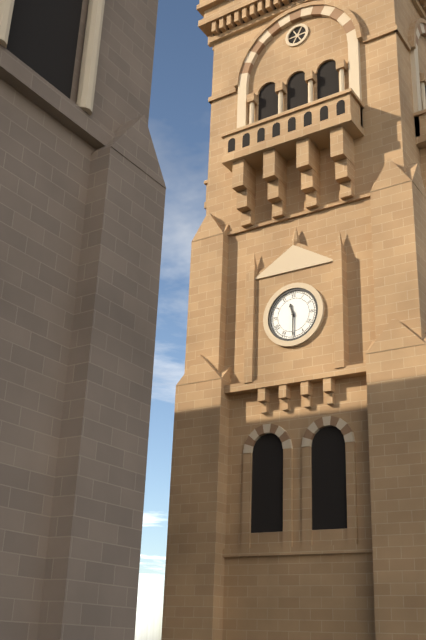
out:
{"hour": 11, "minute": 30}
